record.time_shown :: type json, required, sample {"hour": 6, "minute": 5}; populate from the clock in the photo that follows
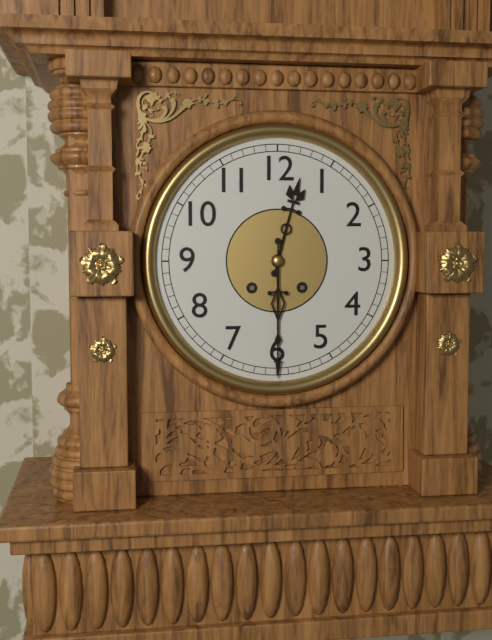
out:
{"hour": 12, "minute": 30}
